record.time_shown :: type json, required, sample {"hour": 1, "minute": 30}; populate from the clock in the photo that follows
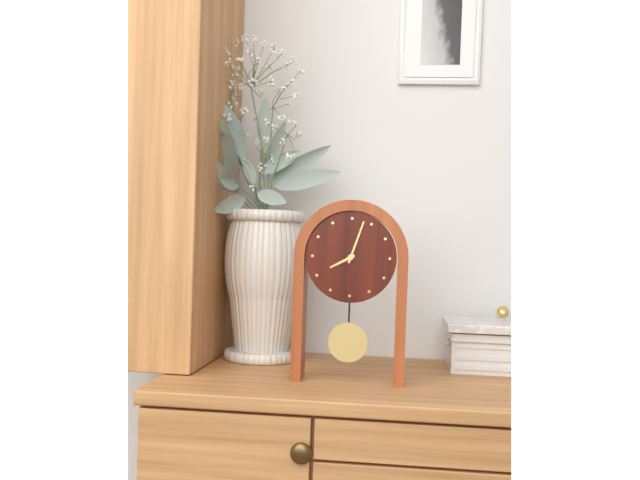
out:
{"hour": 8, "minute": 3}
